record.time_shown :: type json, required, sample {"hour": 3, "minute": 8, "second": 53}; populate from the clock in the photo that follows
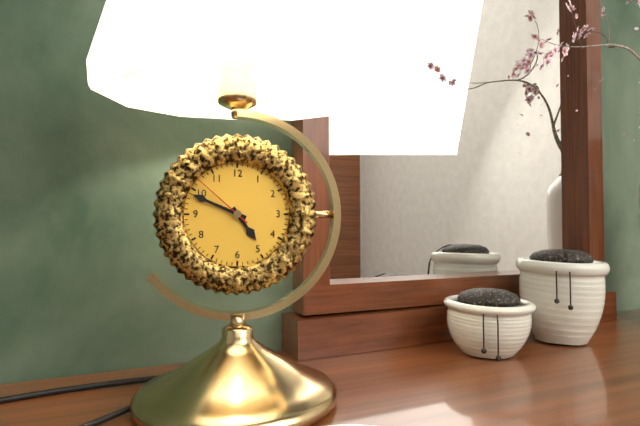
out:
{"hour": 4, "minute": 49, "second": 52}
